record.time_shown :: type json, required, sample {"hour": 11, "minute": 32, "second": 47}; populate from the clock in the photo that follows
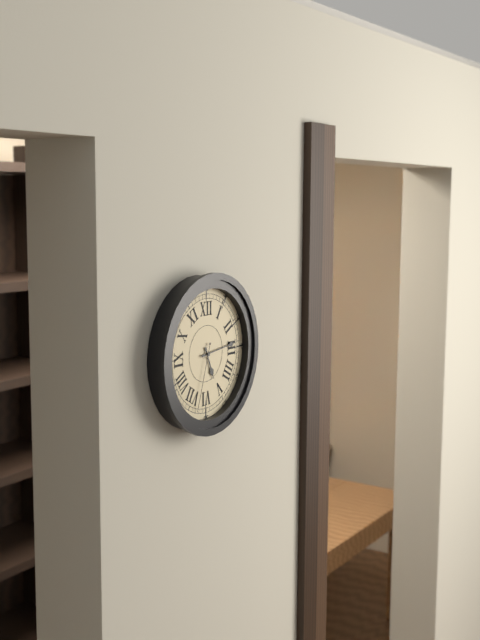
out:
{"hour": 5, "minute": 14, "second": 33}
